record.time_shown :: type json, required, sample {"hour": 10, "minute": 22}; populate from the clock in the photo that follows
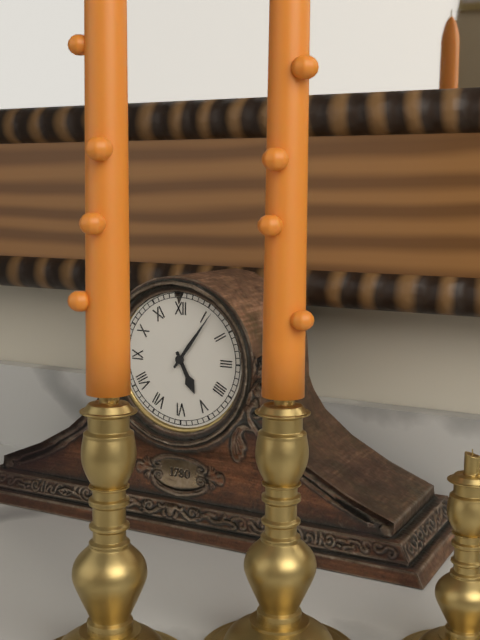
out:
{"hour": 5, "minute": 6}
